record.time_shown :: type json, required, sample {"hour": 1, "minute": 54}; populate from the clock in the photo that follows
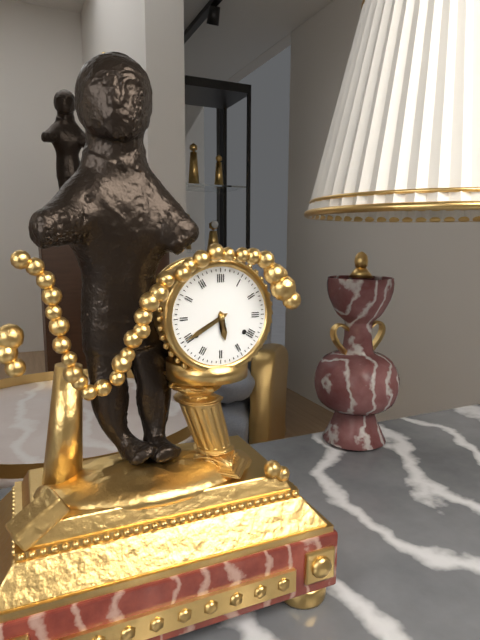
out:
{"hour": 5, "minute": 40}
